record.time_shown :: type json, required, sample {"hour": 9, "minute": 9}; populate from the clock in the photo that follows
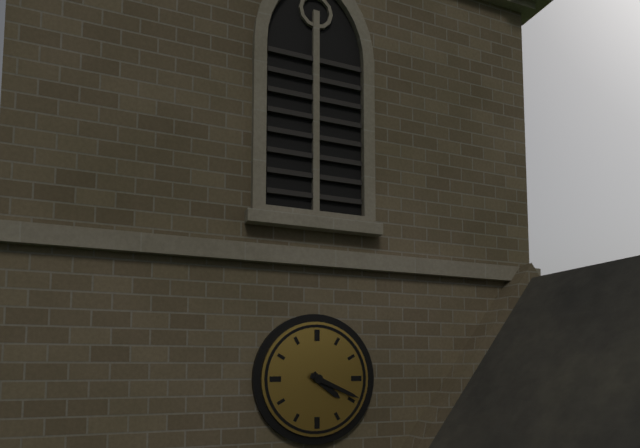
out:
{"hour": 4, "minute": 19}
